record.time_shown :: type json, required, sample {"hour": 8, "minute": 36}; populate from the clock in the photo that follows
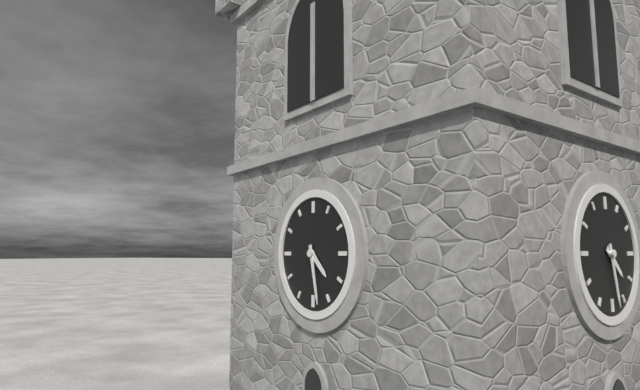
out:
{"hour": 4, "minute": 28}
